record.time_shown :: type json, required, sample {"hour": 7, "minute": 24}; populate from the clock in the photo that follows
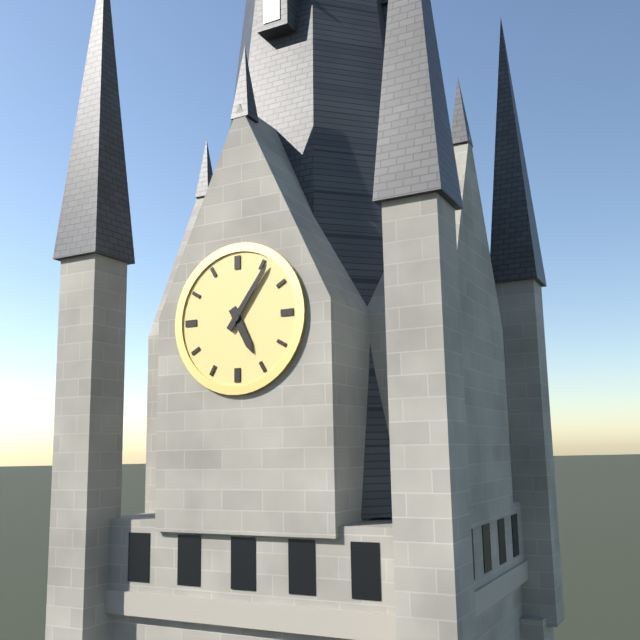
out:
{"hour": 5, "minute": 6}
